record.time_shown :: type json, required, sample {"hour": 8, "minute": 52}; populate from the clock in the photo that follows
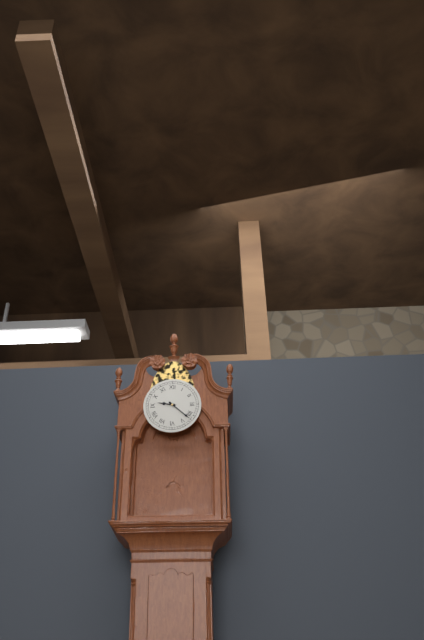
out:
{"hour": 9, "minute": 22}
